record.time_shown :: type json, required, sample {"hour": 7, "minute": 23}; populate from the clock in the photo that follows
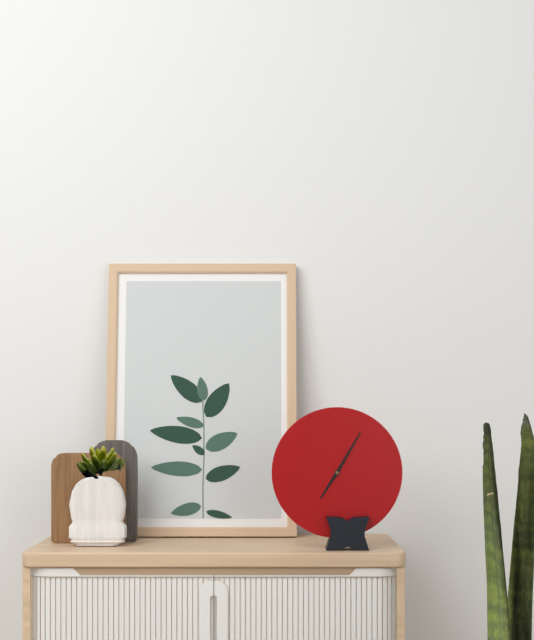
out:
{"hour": 7, "minute": 5}
